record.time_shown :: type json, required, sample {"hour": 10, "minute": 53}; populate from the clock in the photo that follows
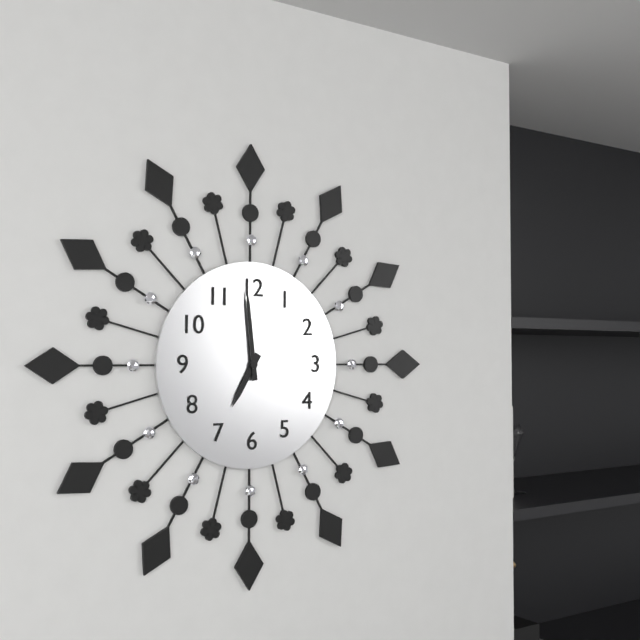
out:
{"hour": 6, "minute": 59}
